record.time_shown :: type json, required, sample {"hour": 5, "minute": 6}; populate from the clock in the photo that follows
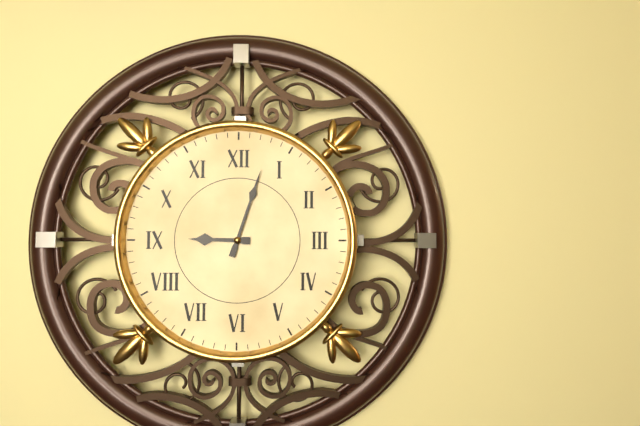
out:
{"hour": 9, "minute": 3}
